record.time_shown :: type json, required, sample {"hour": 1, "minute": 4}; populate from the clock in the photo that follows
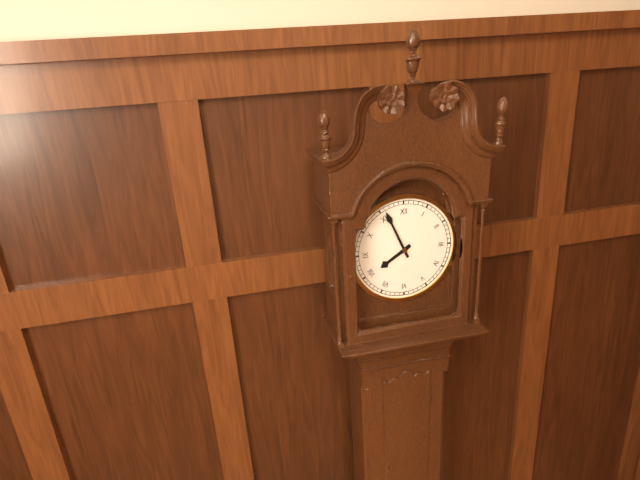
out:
{"hour": 7, "minute": 56}
